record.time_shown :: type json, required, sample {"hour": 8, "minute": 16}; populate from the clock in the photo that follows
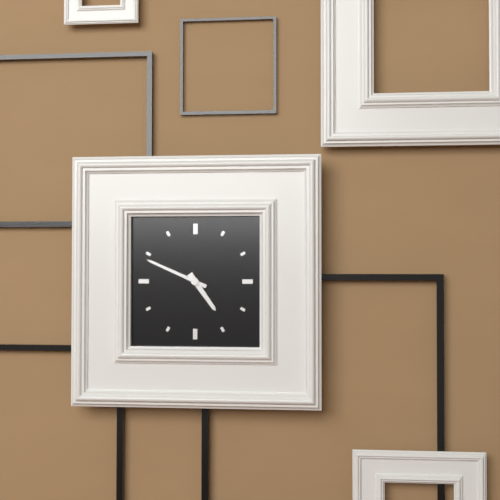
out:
{"hour": 4, "minute": 49}
